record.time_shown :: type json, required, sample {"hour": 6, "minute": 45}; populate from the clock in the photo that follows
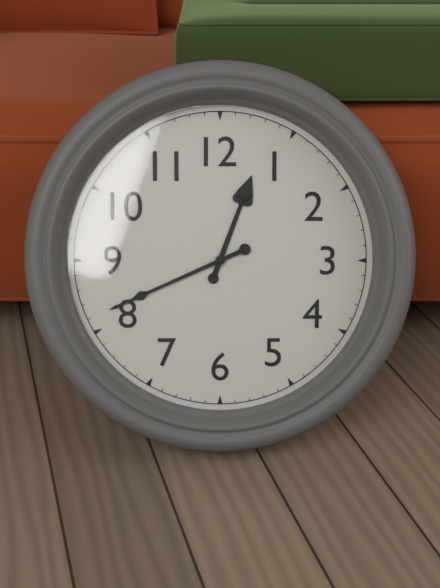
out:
{"hour": 12, "minute": 41}
